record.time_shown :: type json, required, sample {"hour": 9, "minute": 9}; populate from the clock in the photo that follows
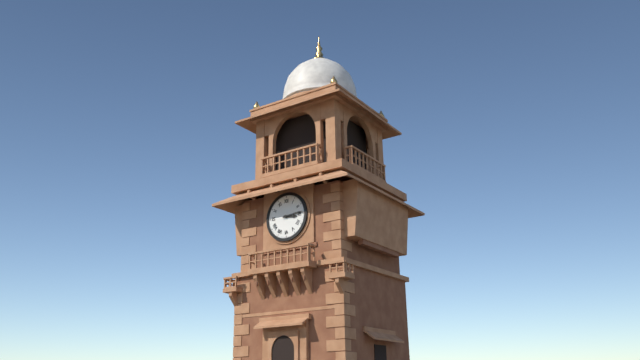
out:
{"hour": 3, "minute": 14}
